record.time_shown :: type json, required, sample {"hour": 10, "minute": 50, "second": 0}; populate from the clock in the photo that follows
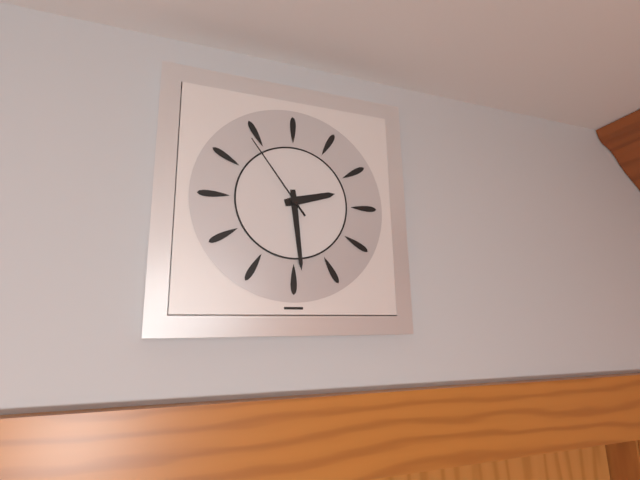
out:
{"hour": 2, "minute": 29, "second": 54}
